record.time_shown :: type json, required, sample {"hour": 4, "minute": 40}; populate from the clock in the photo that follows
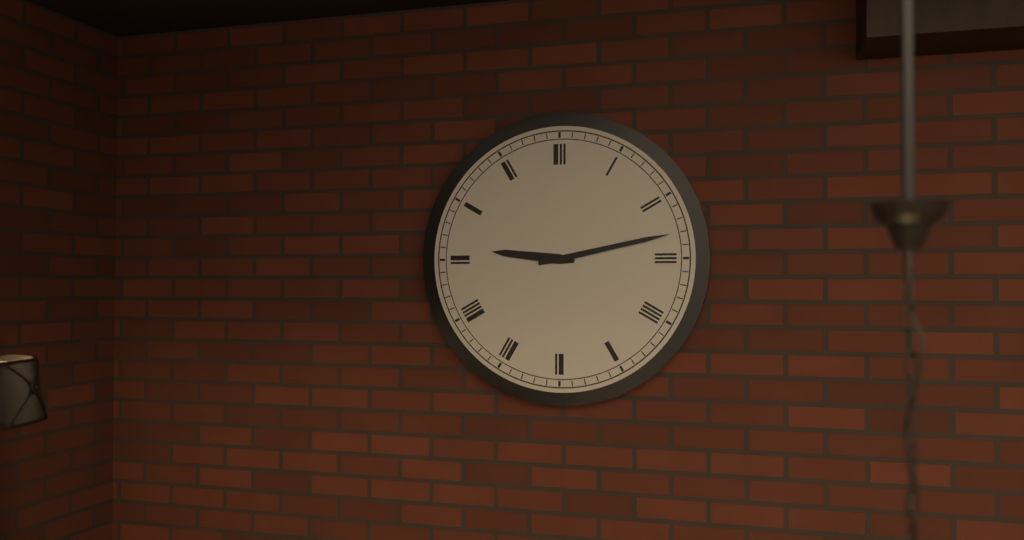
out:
{"hour": 9, "minute": 13}
